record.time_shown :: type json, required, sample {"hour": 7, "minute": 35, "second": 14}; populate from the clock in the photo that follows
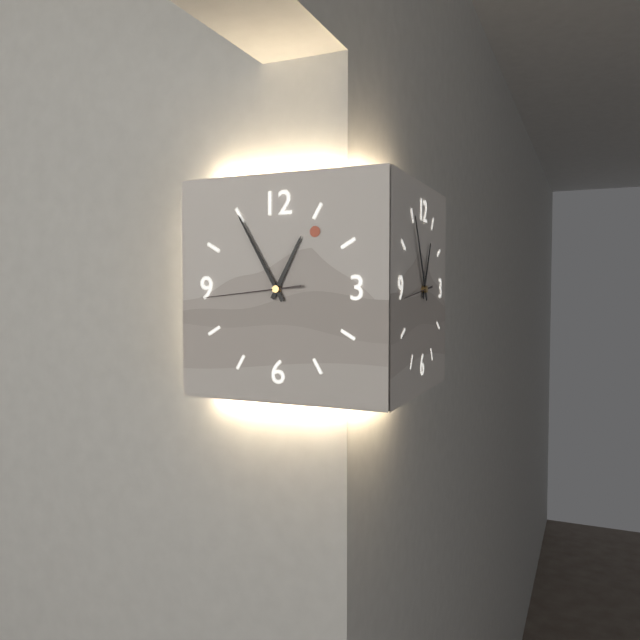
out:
{"hour": 12, "minute": 55, "second": 44}
